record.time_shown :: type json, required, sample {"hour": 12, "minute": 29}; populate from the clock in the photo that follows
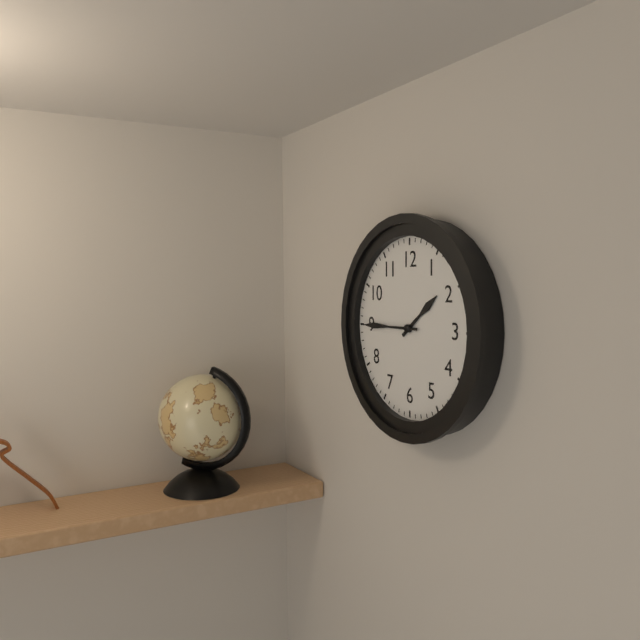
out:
{"hour": 1, "minute": 45}
